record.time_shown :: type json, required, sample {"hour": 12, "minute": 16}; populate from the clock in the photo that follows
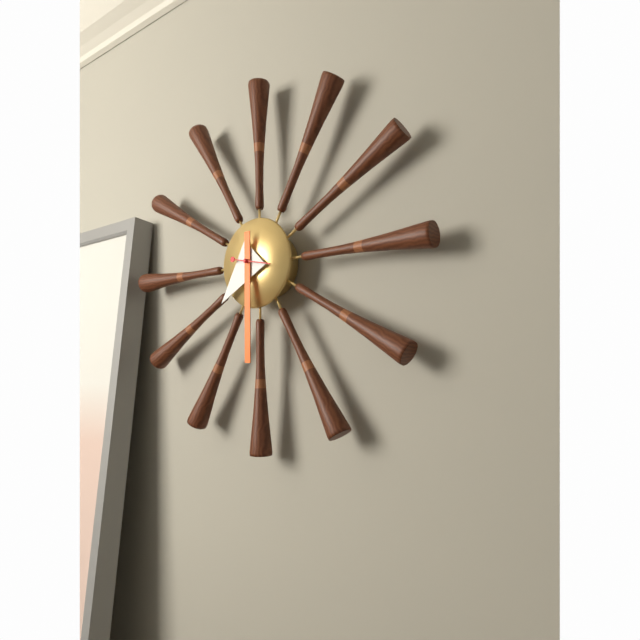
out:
{"hour": 7, "minute": 30}
